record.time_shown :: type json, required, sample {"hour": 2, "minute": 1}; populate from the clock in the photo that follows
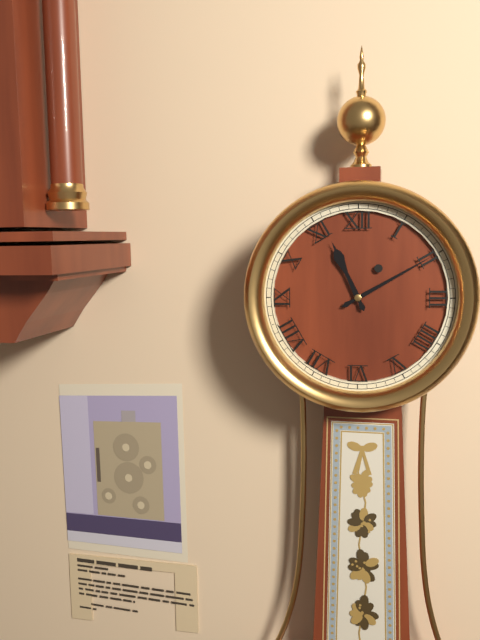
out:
{"hour": 11, "minute": 10}
